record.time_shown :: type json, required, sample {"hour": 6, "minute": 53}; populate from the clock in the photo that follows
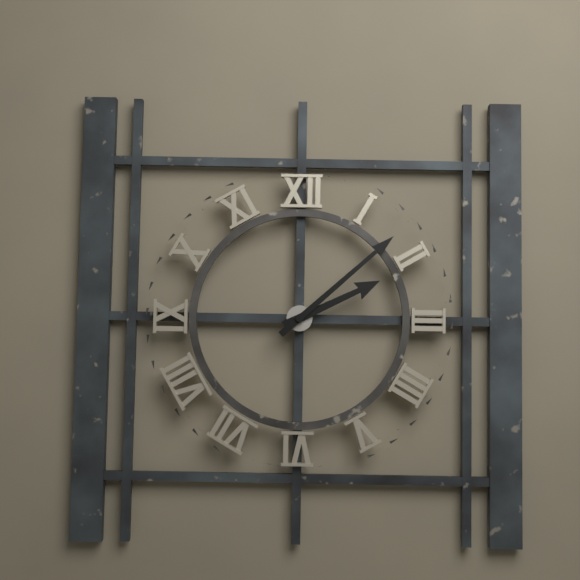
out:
{"hour": 2, "minute": 8}
